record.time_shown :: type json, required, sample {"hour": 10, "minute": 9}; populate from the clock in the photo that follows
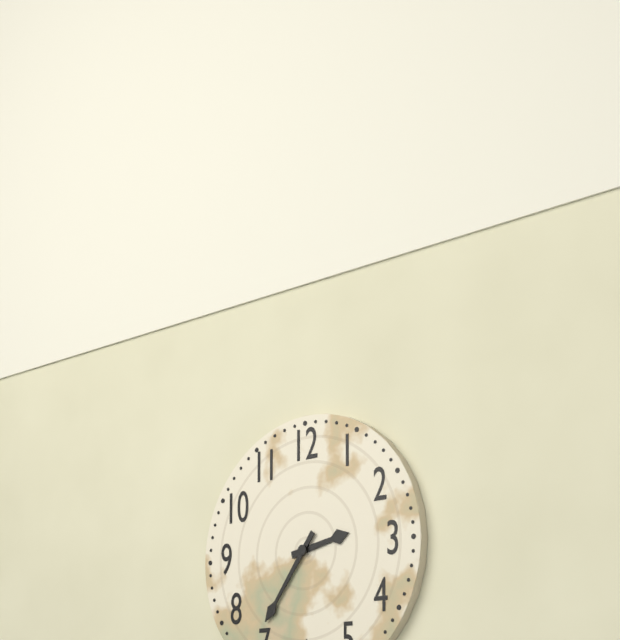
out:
{"hour": 2, "minute": 36}
